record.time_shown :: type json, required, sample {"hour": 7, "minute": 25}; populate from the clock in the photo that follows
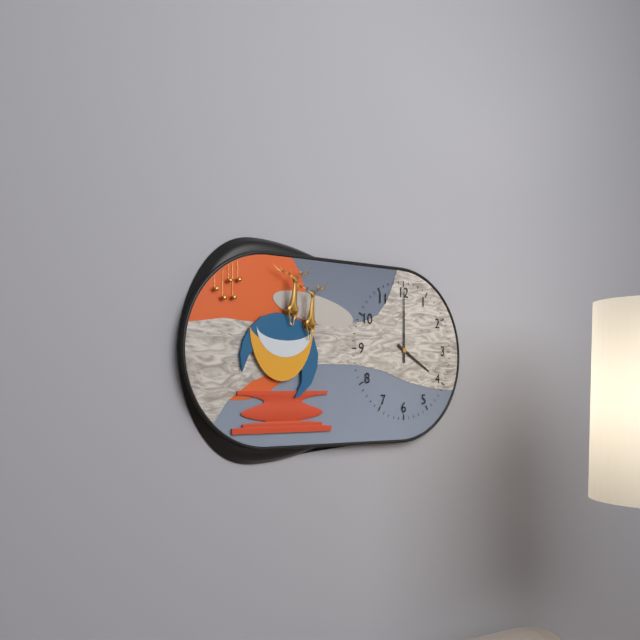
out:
{"hour": 4, "minute": 0}
